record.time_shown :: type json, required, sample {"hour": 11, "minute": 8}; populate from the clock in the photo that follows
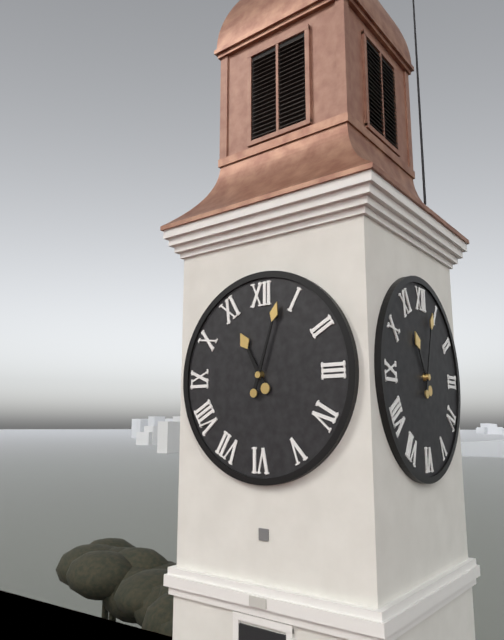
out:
{"hour": 11, "minute": 3}
